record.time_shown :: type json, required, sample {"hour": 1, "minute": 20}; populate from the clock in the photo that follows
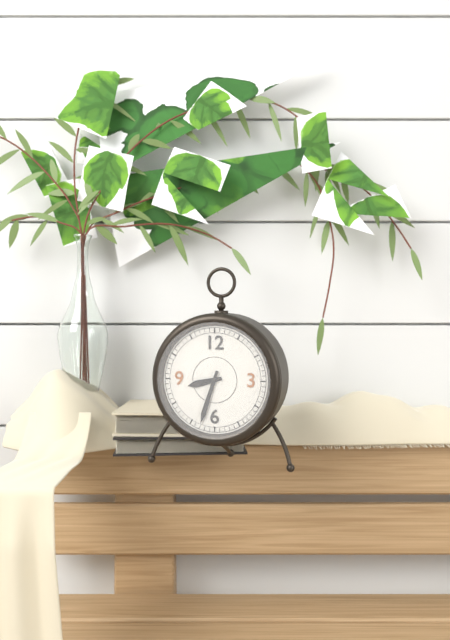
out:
{"hour": 8, "minute": 33}
